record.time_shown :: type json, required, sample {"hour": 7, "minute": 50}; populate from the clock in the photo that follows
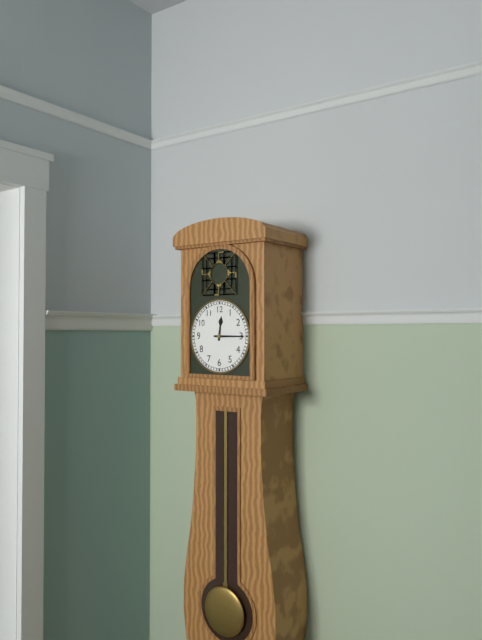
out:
{"hour": 12, "minute": 15}
